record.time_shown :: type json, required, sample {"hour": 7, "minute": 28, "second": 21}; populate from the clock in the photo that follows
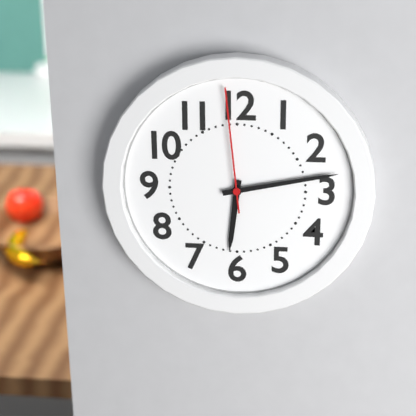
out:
{"hour": 6, "minute": 13, "second": 59}
